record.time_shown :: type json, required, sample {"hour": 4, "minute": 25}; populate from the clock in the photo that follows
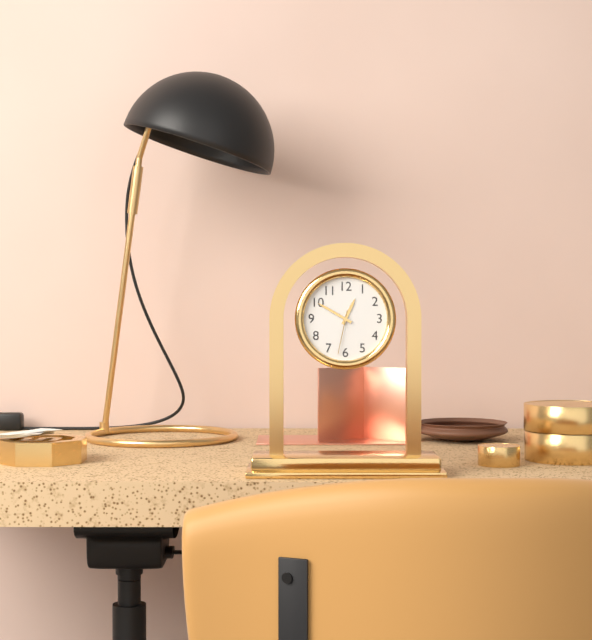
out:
{"hour": 12, "minute": 50}
